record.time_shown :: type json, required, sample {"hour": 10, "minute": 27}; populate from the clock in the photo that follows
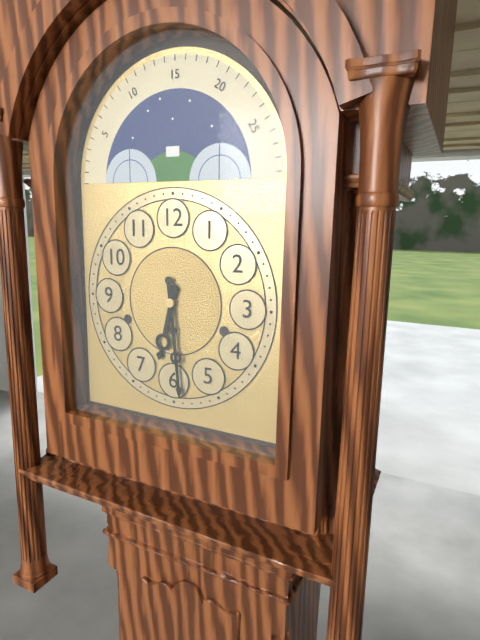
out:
{"hour": 6, "minute": 29}
